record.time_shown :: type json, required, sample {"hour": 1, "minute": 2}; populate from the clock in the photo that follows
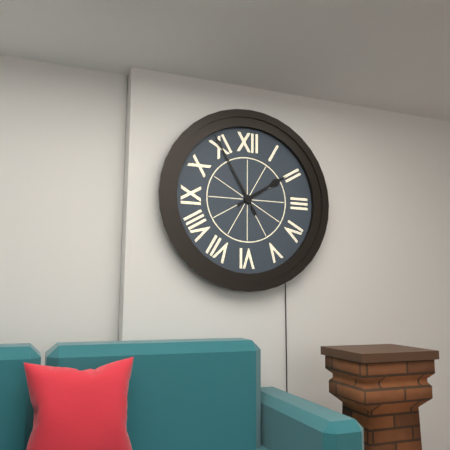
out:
{"hour": 1, "minute": 55}
